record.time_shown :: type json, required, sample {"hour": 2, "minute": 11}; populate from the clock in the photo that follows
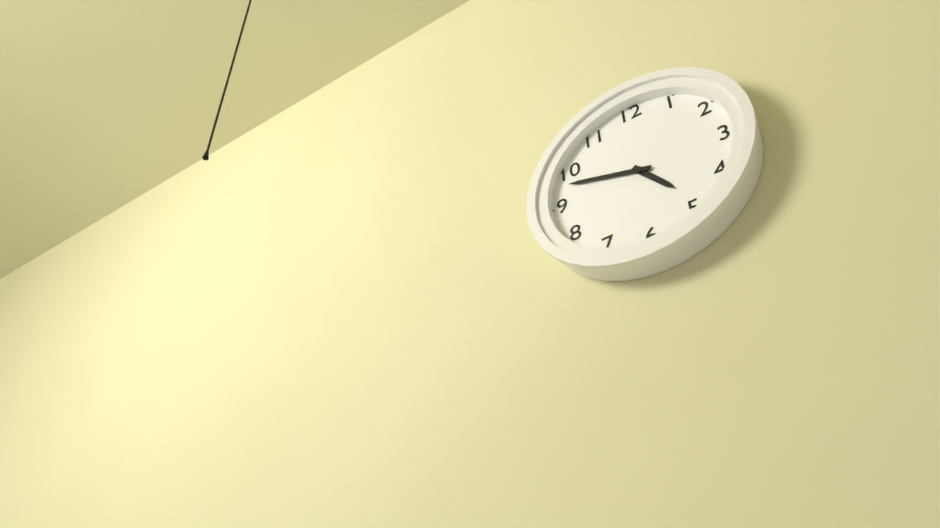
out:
{"hour": 4, "minute": 48}
